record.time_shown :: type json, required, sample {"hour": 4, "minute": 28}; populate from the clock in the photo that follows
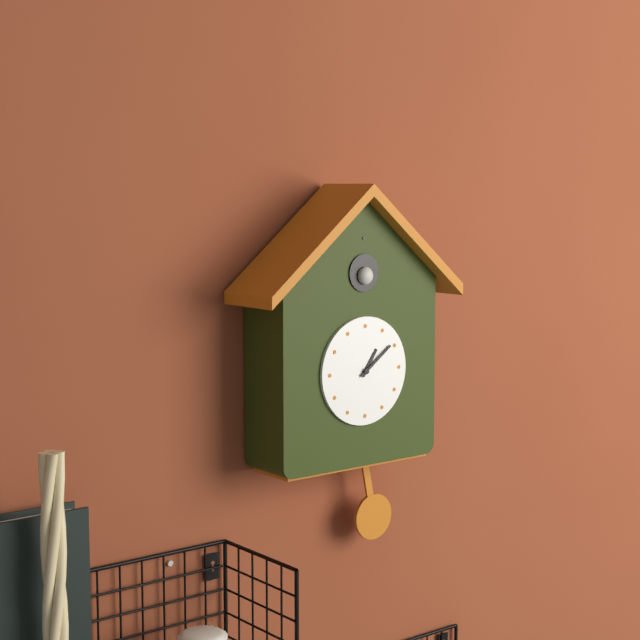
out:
{"hour": 1, "minute": 9}
